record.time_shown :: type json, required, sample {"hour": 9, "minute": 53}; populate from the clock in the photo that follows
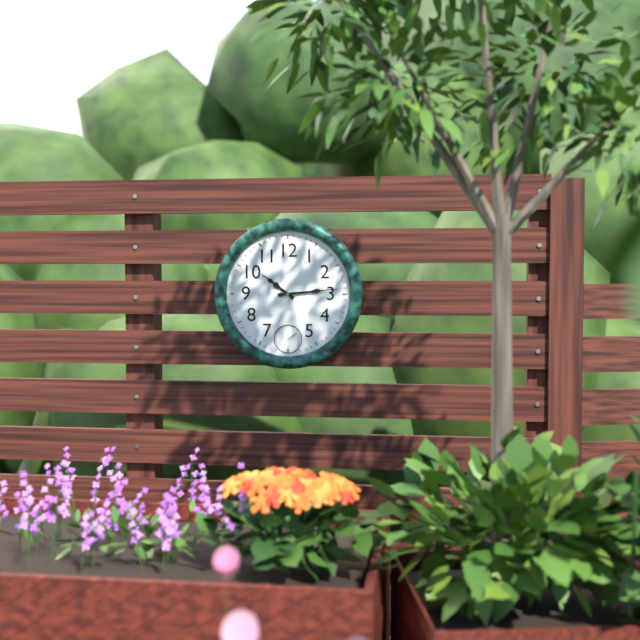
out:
{"hour": 10, "minute": 14}
